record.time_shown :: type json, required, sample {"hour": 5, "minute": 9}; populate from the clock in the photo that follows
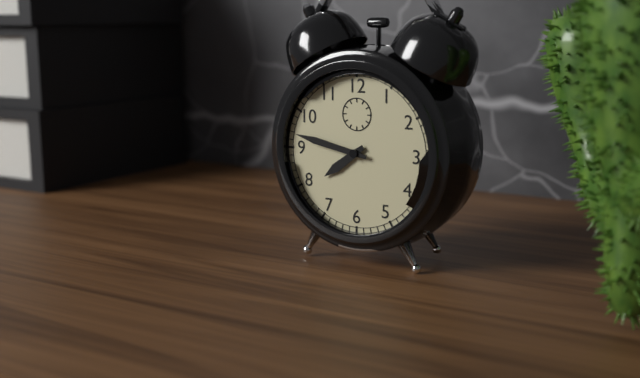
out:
{"hour": 7, "minute": 47}
